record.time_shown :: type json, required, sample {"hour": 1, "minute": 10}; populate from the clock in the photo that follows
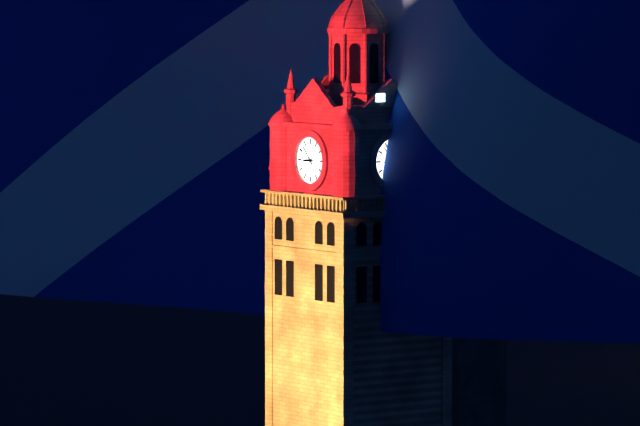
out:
{"hour": 8, "minute": 53}
